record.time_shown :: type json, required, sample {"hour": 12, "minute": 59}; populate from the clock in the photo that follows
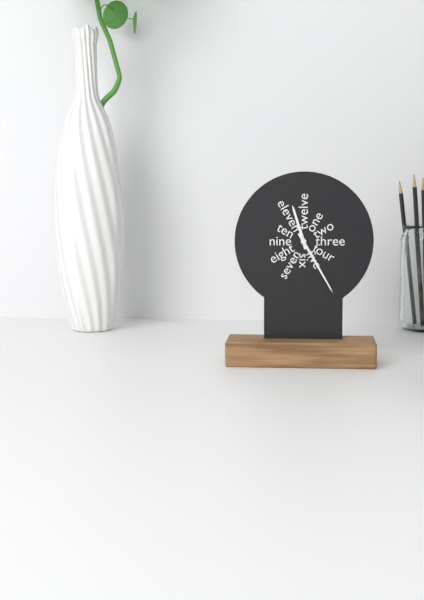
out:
{"hour": 11, "minute": 25}
